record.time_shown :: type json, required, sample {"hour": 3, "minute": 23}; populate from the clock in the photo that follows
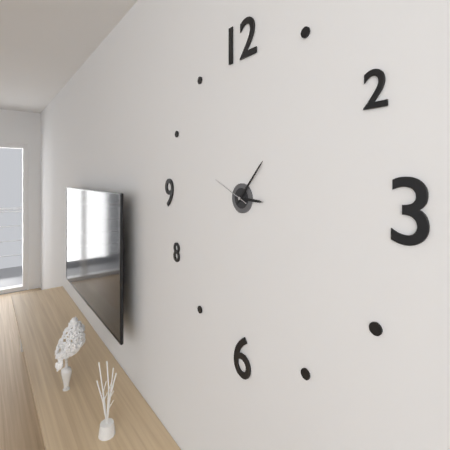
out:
{"hour": 3, "minute": 7}
